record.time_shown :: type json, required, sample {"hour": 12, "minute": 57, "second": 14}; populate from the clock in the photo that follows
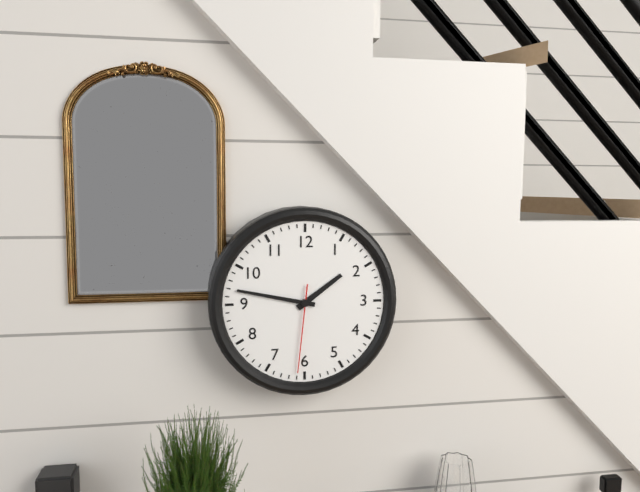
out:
{"hour": 1, "minute": 47, "second": 31}
